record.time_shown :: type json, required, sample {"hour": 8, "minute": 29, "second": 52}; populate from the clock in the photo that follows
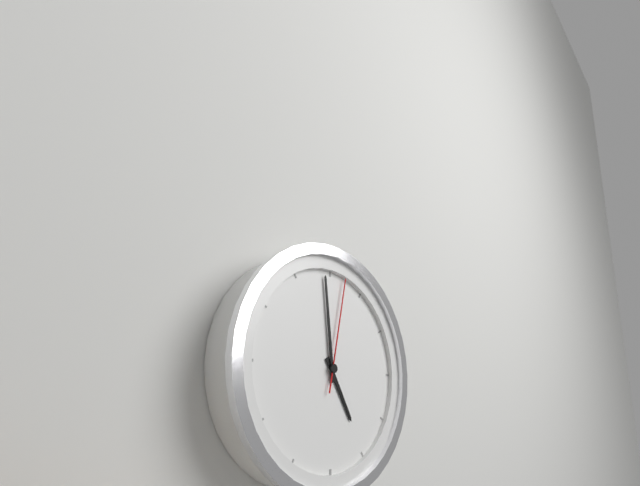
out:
{"hour": 4, "minute": 59, "second": 2}
